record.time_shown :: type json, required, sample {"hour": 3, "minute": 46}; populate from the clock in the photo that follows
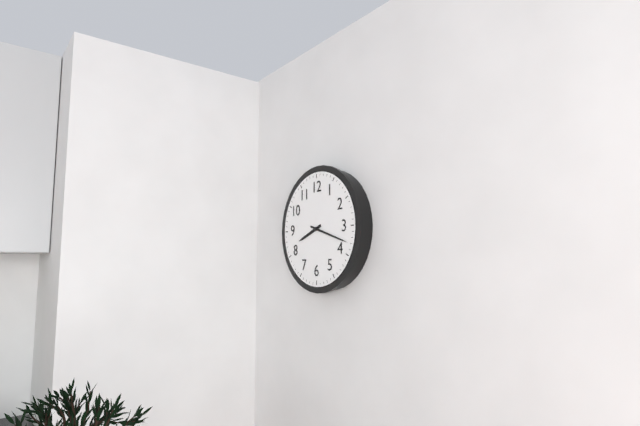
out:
{"hour": 8, "minute": 18}
